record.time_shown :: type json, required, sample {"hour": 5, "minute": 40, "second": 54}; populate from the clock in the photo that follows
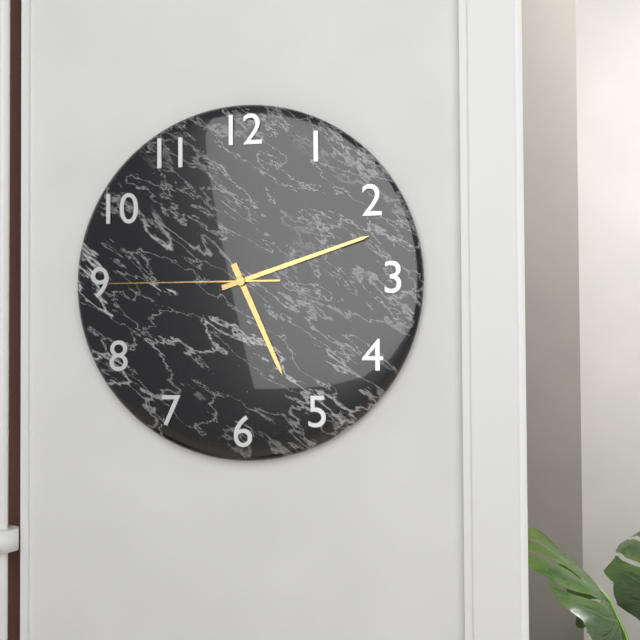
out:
{"hour": 5, "minute": 12, "second": 45}
